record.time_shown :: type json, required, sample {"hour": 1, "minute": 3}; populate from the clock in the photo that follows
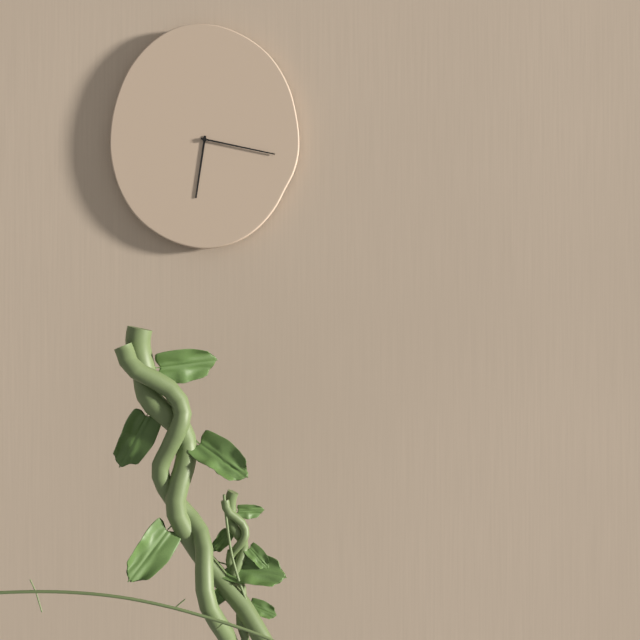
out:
{"hour": 6, "minute": 17}
